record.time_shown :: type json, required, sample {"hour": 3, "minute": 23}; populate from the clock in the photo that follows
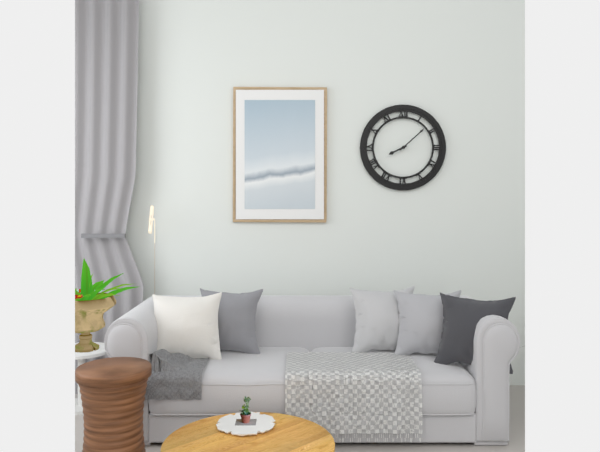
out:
{"hour": 8, "minute": 8}
